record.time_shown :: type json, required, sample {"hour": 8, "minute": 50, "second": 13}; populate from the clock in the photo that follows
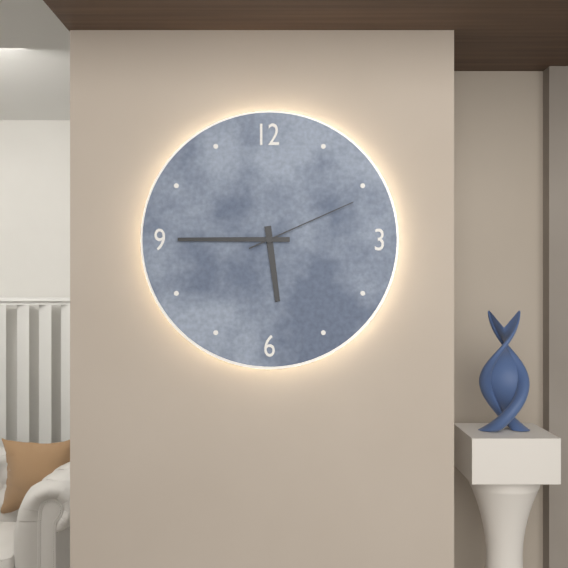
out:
{"hour": 5, "minute": 45, "second": 11}
